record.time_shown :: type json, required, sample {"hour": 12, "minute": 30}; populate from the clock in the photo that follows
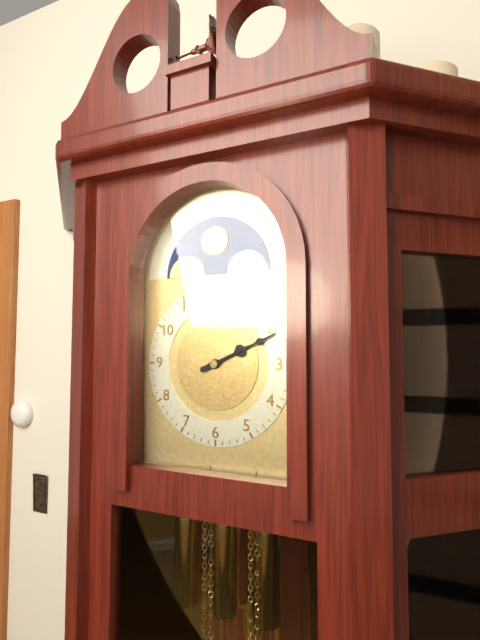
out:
{"hour": 2, "minute": 11}
